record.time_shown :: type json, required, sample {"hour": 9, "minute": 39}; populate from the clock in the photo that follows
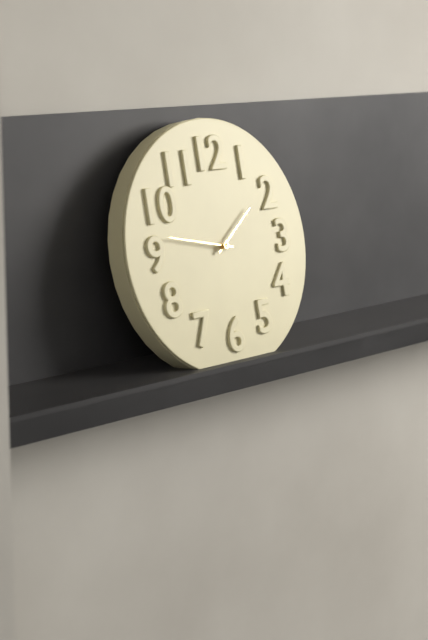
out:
{"hour": 1, "minute": 47}
